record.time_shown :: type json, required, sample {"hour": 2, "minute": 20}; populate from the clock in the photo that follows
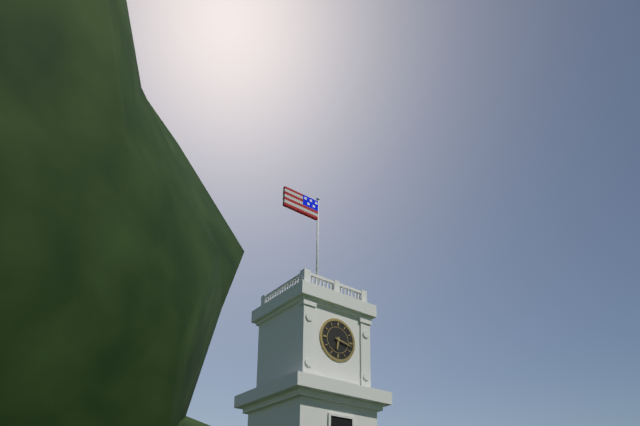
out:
{"hour": 6, "minute": 17}
